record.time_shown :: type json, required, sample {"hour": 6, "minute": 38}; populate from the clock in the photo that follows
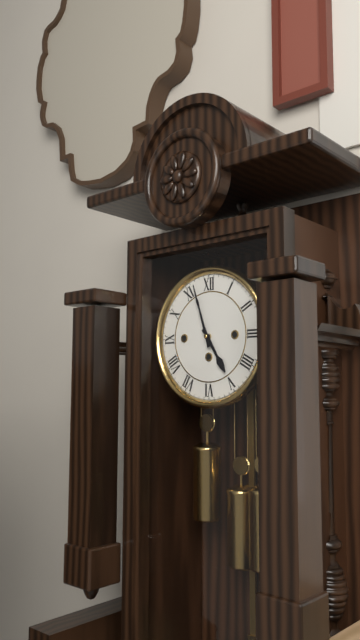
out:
{"hour": 4, "minute": 57}
